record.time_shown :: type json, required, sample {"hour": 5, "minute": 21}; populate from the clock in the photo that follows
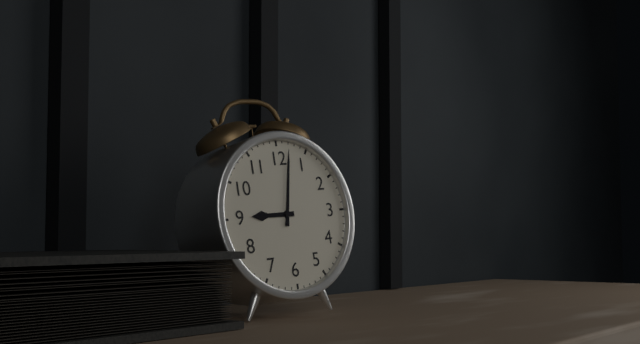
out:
{"hour": 9, "minute": 2}
